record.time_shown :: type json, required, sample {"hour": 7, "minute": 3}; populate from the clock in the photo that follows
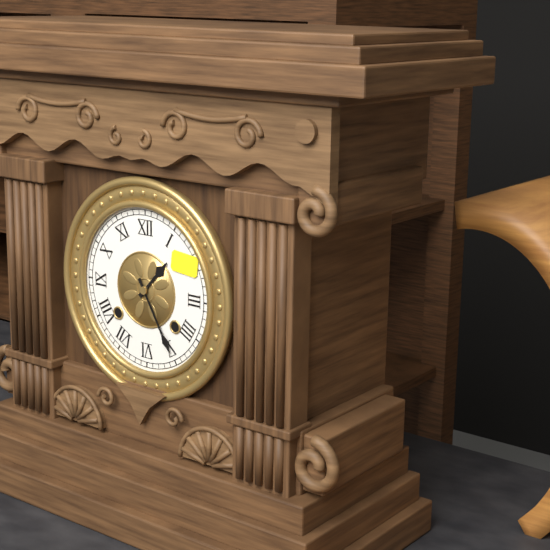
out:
{"hour": 1, "minute": 25}
